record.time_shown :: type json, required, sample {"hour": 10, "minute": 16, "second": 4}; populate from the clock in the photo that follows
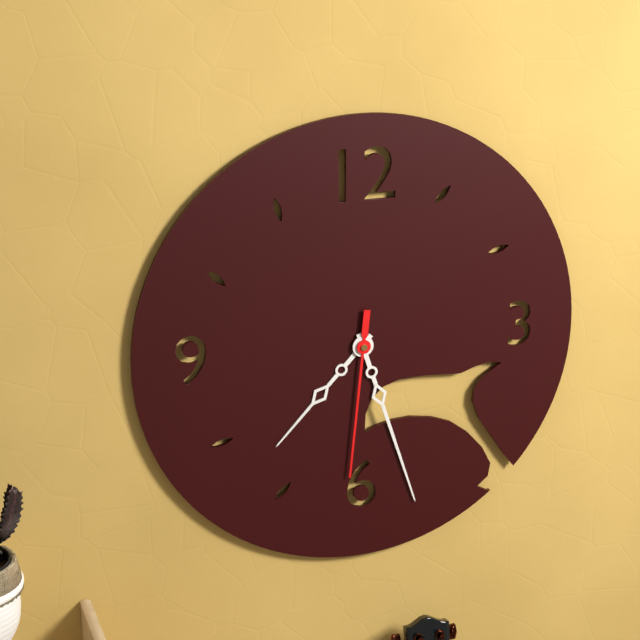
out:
{"hour": 7, "minute": 27, "second": 31}
